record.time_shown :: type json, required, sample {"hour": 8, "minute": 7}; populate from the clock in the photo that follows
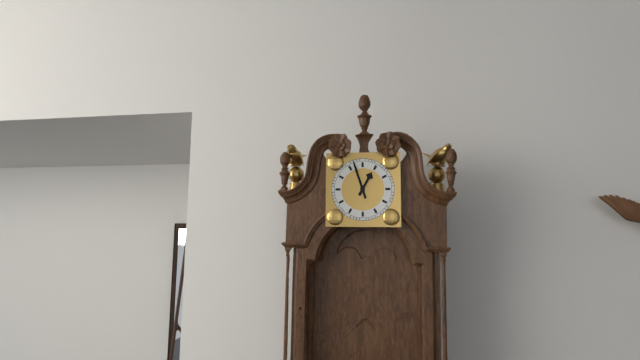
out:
{"hour": 12, "minute": 57}
